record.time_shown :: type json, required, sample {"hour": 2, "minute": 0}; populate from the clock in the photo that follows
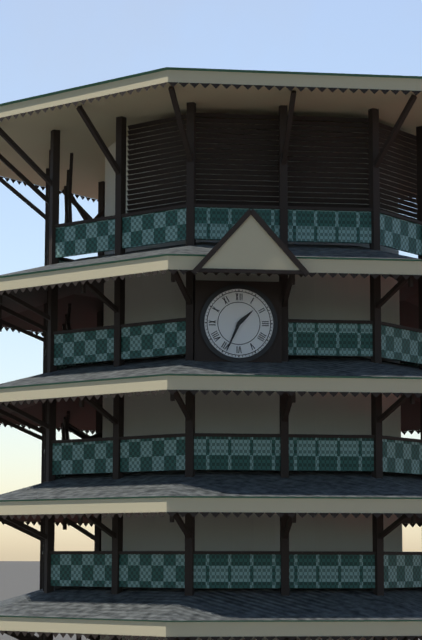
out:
{"hour": 1, "minute": 34}
